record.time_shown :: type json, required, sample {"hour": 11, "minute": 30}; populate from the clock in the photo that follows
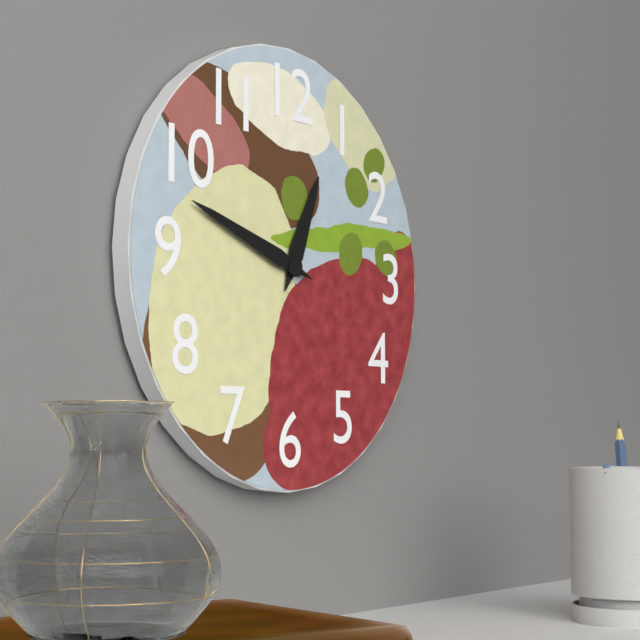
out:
{"hour": 12, "minute": 48}
